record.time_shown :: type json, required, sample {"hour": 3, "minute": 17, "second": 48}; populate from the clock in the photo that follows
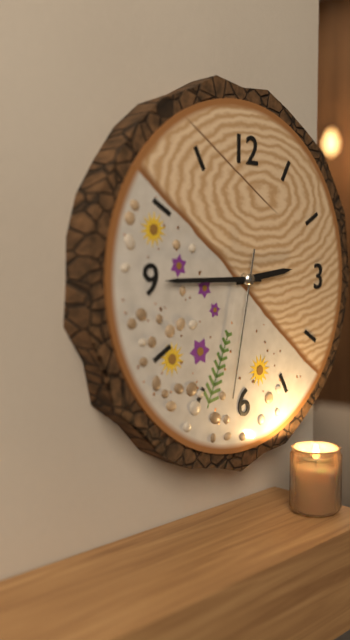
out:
{"hour": 2, "minute": 45, "second": 32}
